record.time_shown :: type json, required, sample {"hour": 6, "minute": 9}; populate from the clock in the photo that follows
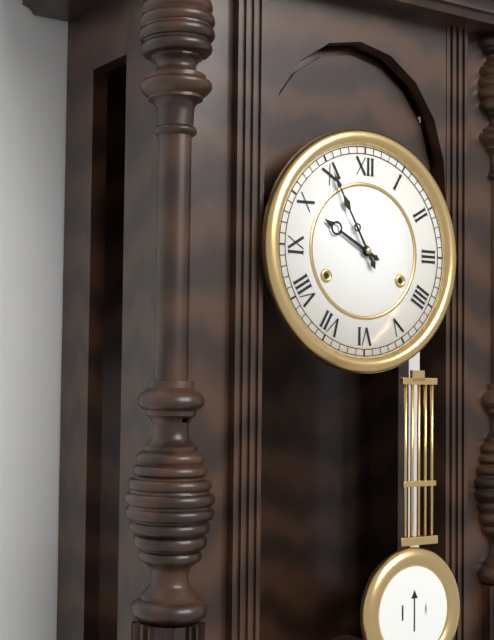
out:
{"hour": 9, "minute": 55}
